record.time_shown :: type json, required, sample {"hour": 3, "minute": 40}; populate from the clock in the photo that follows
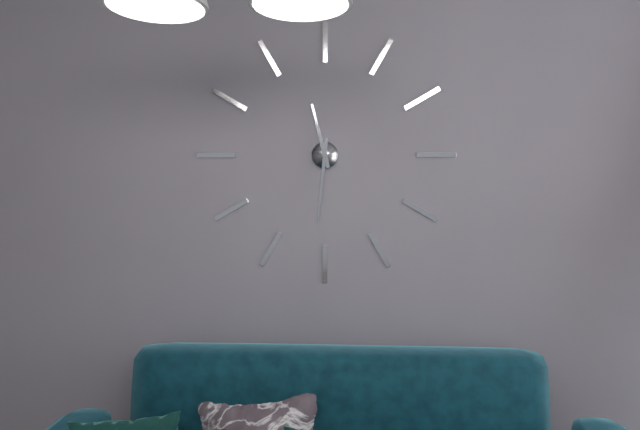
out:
{"hour": 11, "minute": 31}
